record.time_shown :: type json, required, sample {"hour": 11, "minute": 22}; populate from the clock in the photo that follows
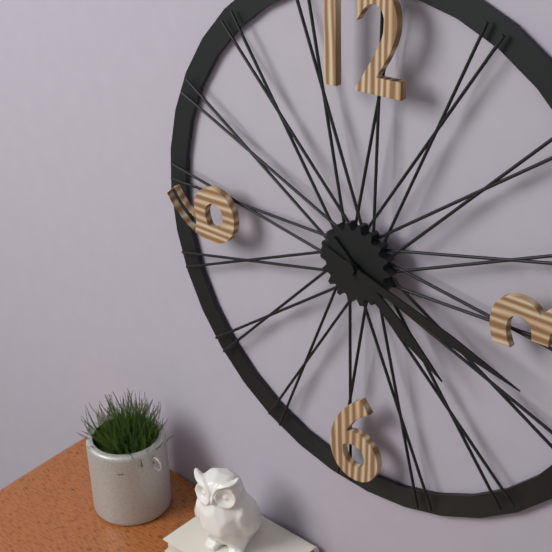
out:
{"hour": 4, "minute": 18}
